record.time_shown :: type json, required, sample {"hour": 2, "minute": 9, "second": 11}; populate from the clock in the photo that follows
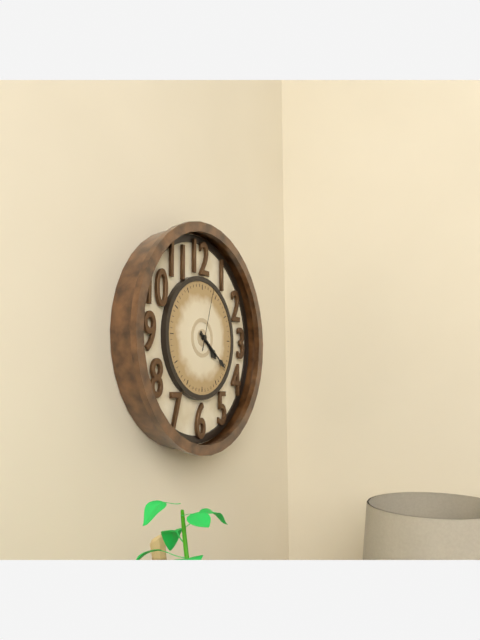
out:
{"hour": 4, "minute": 21, "second": 3}
